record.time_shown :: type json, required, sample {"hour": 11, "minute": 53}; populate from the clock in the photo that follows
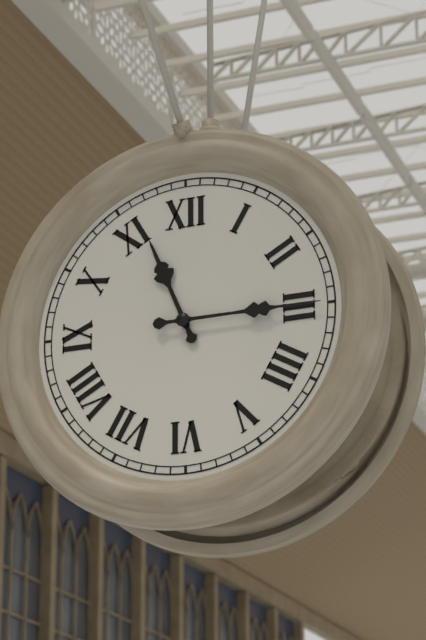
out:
{"hour": 11, "minute": 15}
